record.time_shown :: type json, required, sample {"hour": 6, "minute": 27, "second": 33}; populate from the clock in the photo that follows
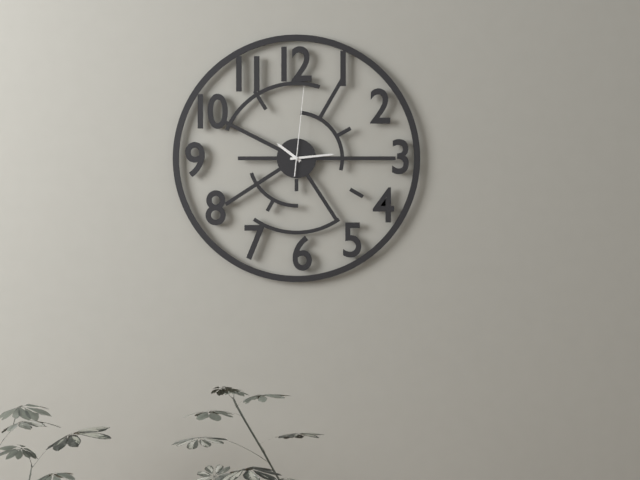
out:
{"hour": 10, "minute": 14, "second": 1}
